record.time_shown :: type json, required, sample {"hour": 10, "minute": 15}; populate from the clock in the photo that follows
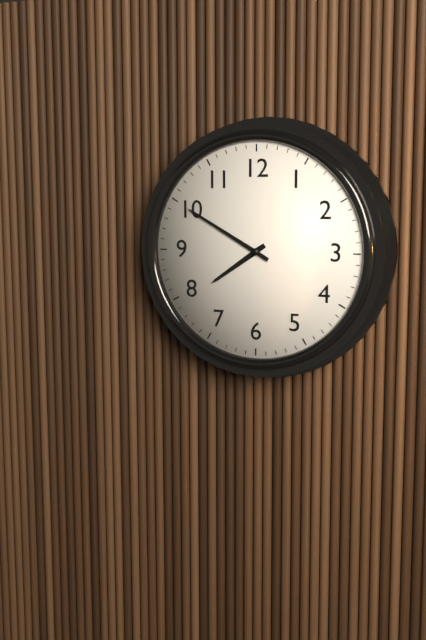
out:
{"hour": 7, "minute": 50}
